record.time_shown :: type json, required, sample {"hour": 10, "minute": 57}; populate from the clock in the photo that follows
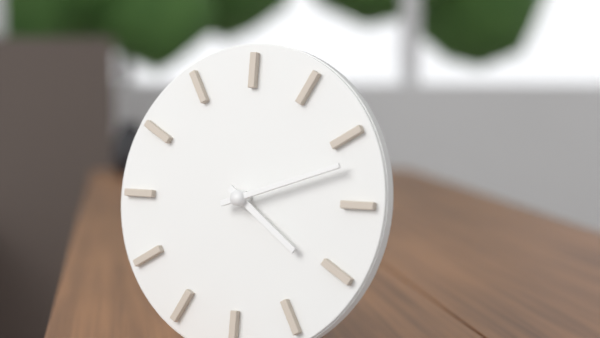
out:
{"hour": 4, "minute": 12}
